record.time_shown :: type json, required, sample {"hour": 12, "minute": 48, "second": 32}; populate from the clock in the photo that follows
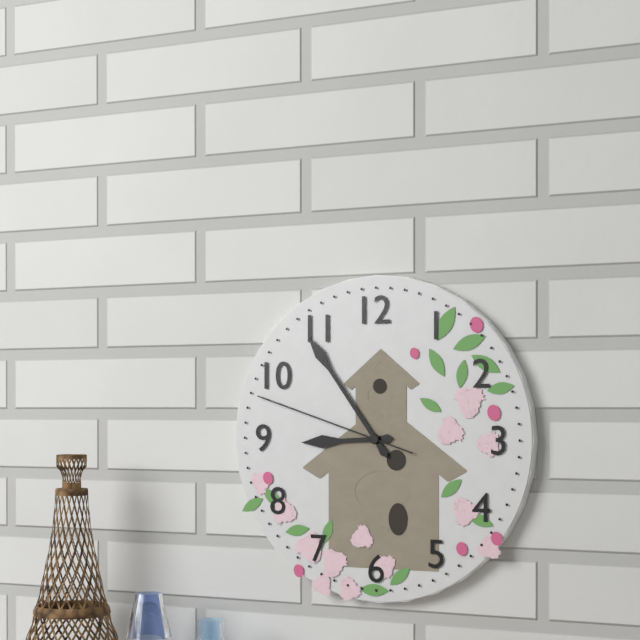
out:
{"hour": 8, "minute": 54, "second": 48}
